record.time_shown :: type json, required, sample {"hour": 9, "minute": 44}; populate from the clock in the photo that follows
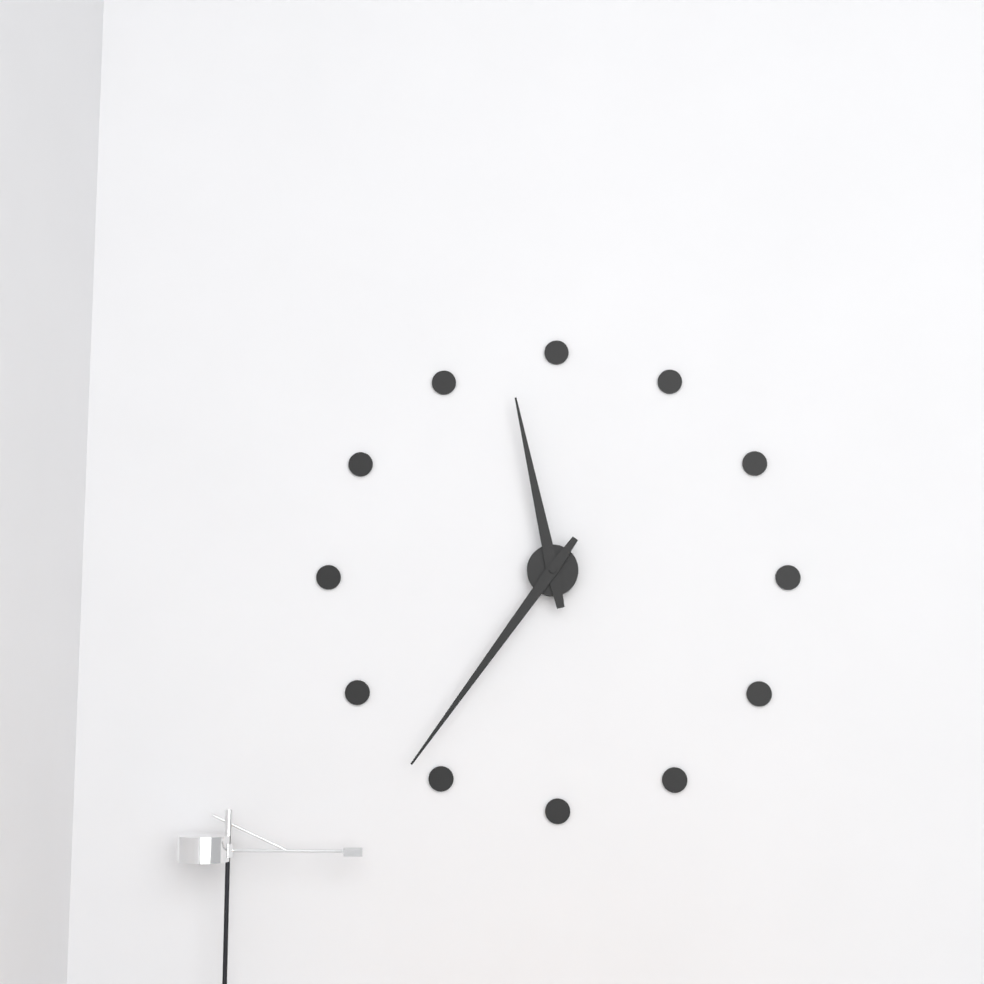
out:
{"hour": 11, "minute": 36}
